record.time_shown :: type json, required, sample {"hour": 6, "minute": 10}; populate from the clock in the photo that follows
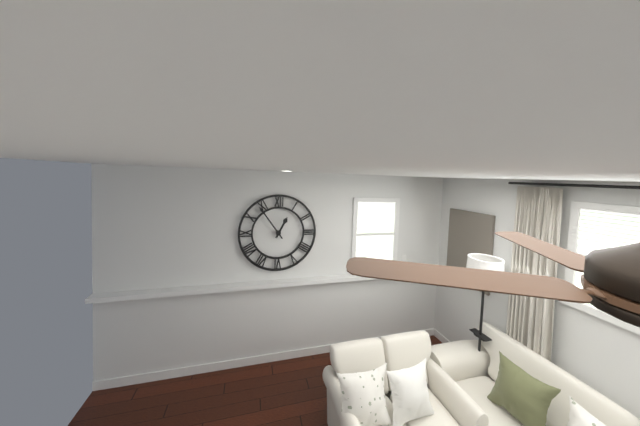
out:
{"hour": 12, "minute": 54}
